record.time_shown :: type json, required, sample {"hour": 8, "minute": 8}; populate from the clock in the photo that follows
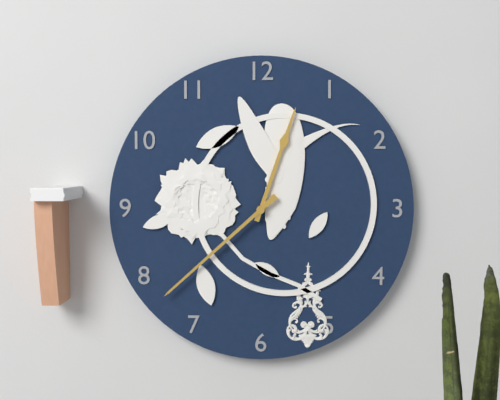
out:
{"hour": 12, "minute": 38}
